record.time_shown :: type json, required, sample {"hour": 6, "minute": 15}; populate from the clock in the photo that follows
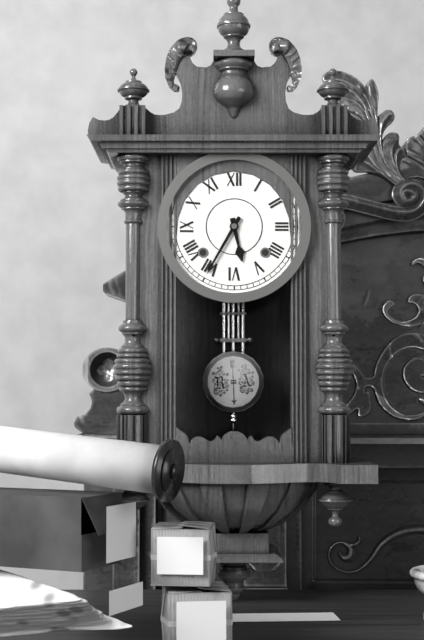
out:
{"hour": 5, "minute": 35}
